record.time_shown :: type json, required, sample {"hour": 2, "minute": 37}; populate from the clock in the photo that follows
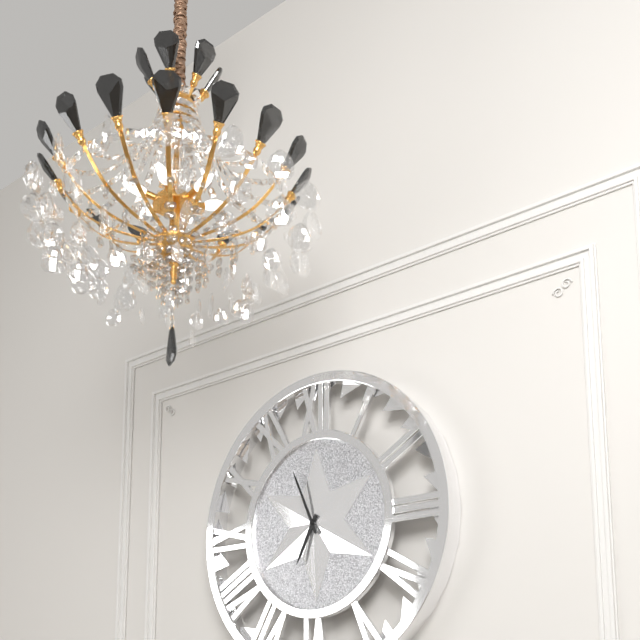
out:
{"hour": 6, "minute": 56}
